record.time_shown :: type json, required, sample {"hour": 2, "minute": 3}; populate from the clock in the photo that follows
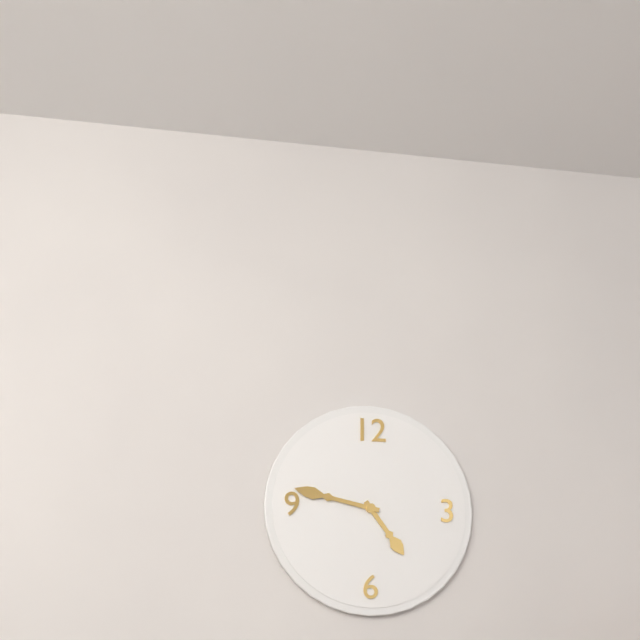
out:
{"hour": 4, "minute": 47}
